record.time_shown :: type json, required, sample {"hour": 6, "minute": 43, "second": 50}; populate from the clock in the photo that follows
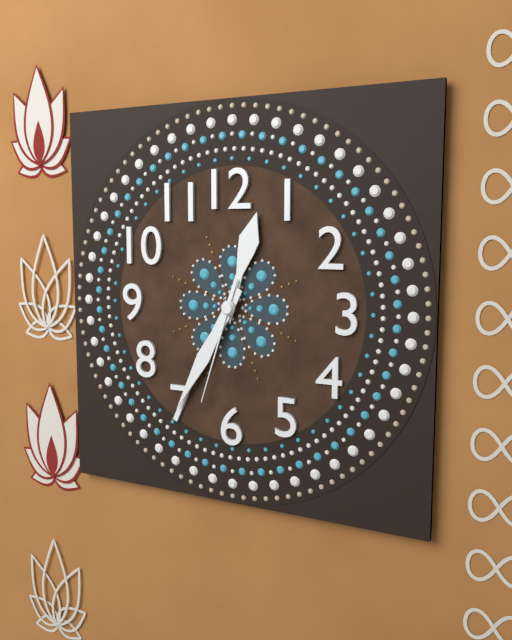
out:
{"hour": 12, "minute": 35, "second": 33}
